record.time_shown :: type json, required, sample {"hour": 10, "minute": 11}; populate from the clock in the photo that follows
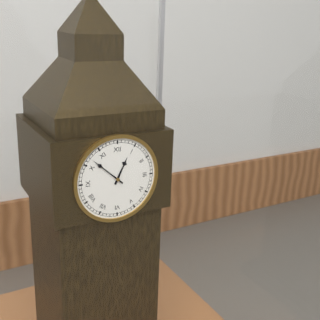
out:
{"hour": 12, "minute": 52}
